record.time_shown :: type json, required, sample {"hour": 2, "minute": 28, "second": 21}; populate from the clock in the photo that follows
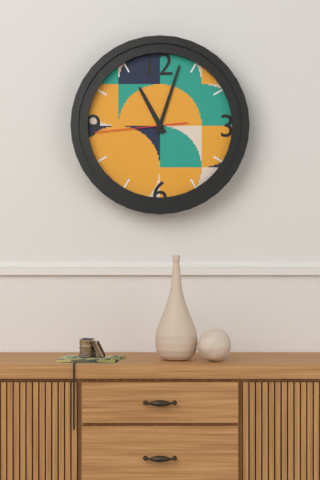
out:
{"hour": 11, "minute": 3, "second": 44}
